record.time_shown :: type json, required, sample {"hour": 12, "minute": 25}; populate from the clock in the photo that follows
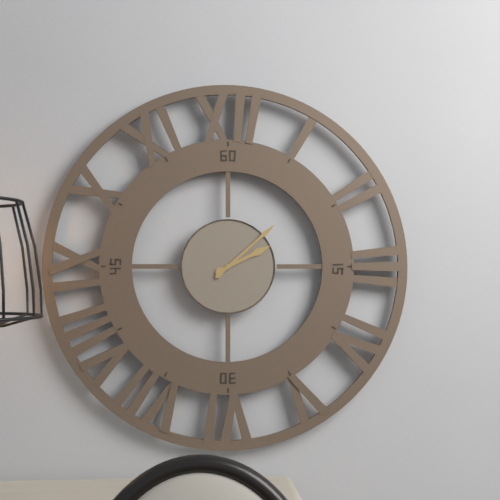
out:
{"hour": 2, "minute": 8}
